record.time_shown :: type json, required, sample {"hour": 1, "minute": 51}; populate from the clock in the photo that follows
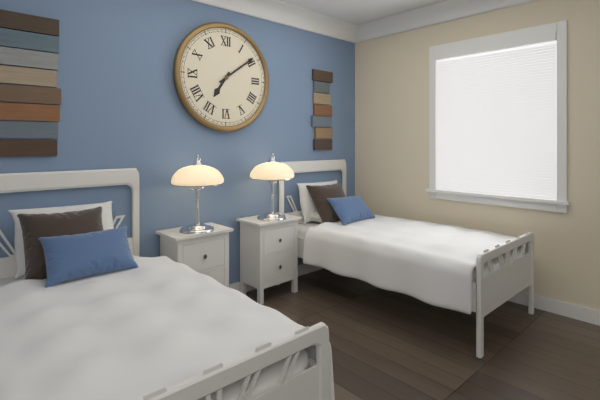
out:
{"hour": 7, "minute": 9}
